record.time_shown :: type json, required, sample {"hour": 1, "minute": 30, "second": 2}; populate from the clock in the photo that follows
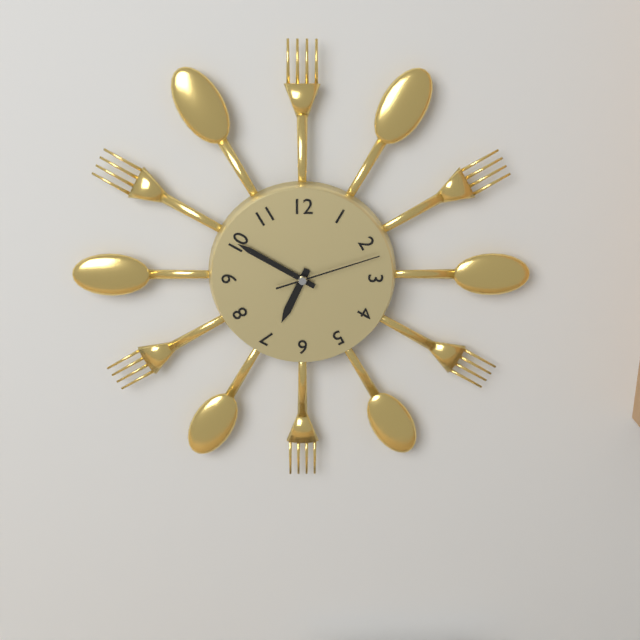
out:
{"hour": 6, "minute": 50, "second": 12}
